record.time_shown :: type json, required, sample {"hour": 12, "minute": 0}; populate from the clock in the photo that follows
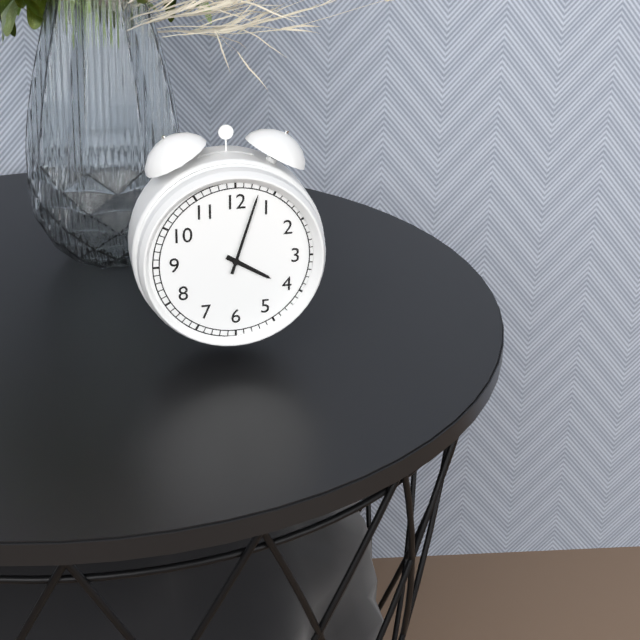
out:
{"hour": 4, "minute": 3}
